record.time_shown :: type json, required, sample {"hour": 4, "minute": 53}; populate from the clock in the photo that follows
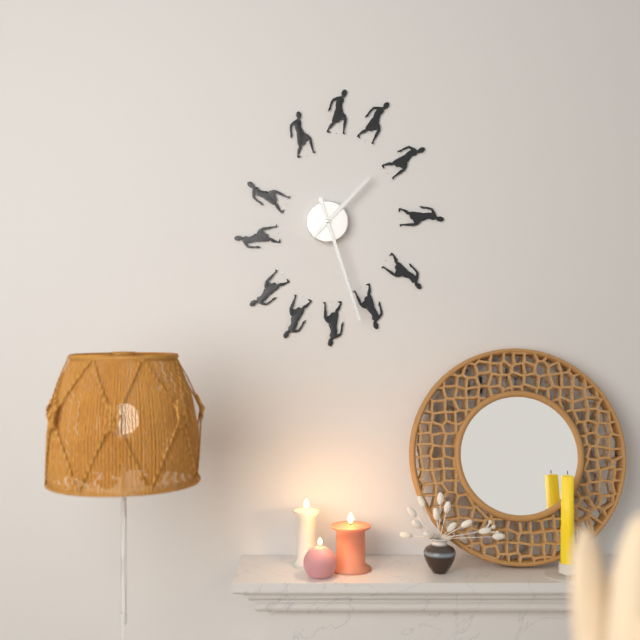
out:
{"hour": 1, "minute": 27}
